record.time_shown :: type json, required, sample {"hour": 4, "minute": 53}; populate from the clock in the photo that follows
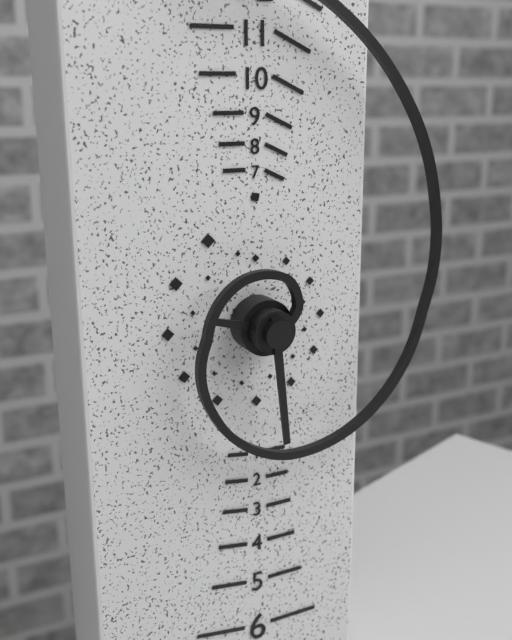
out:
{"hour": 9, "minute": 29}
